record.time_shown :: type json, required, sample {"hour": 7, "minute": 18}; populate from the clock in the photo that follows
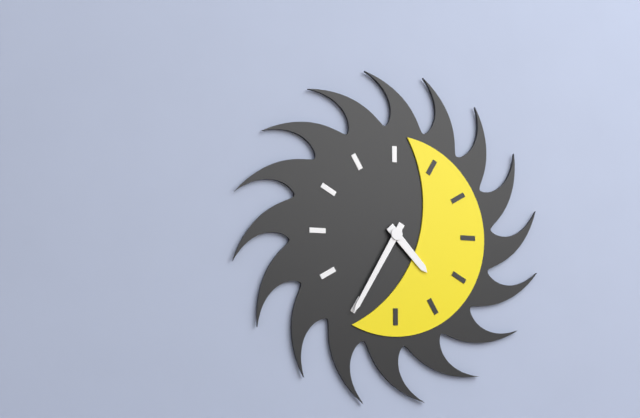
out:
{"hour": 4, "minute": 35}
